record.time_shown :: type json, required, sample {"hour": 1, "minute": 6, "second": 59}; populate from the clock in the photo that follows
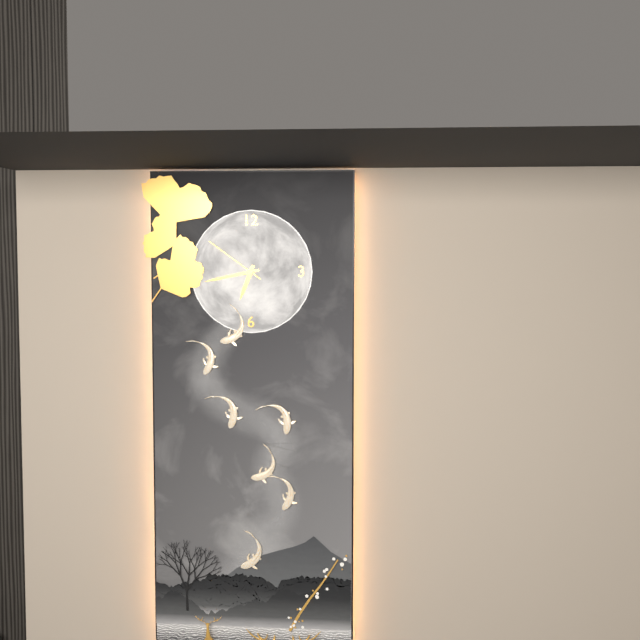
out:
{"hour": 6, "minute": 43, "second": 51}
